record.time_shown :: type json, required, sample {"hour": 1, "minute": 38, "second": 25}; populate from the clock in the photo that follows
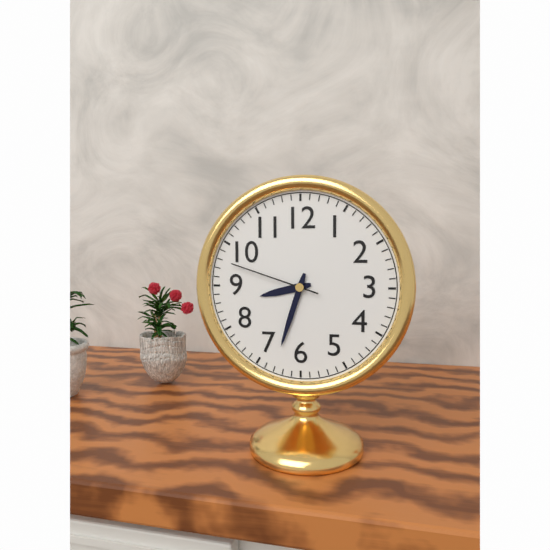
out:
{"hour": 8, "minute": 33, "second": 48}
